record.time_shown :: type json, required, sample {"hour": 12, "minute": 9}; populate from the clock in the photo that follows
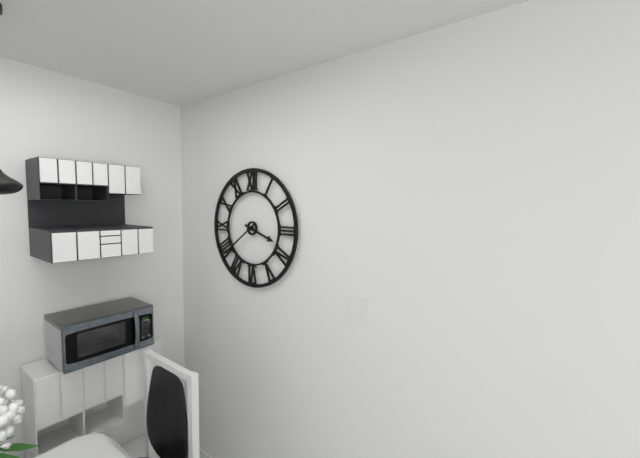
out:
{"hour": 3, "minute": 39}
